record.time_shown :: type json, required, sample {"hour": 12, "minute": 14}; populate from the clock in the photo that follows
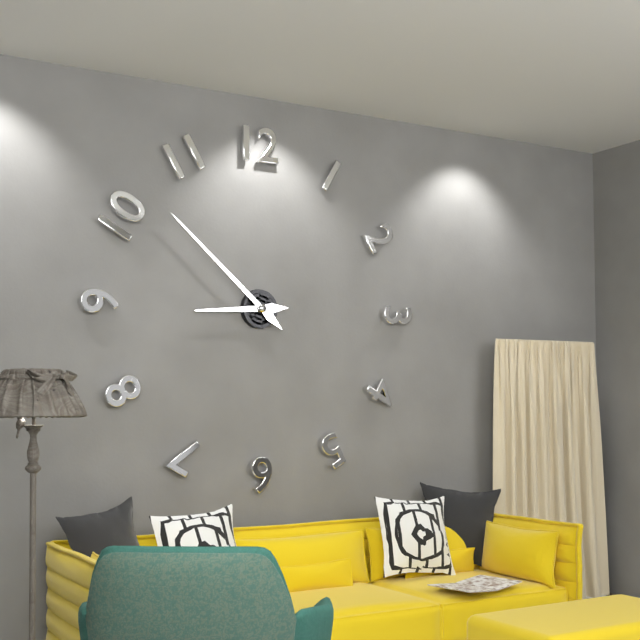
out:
{"hour": 8, "minute": 52}
